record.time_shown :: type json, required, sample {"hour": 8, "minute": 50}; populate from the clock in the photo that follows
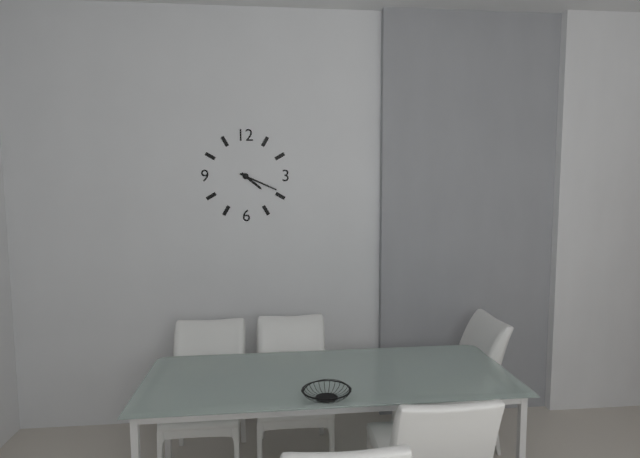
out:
{"hour": 4, "minute": 19}
